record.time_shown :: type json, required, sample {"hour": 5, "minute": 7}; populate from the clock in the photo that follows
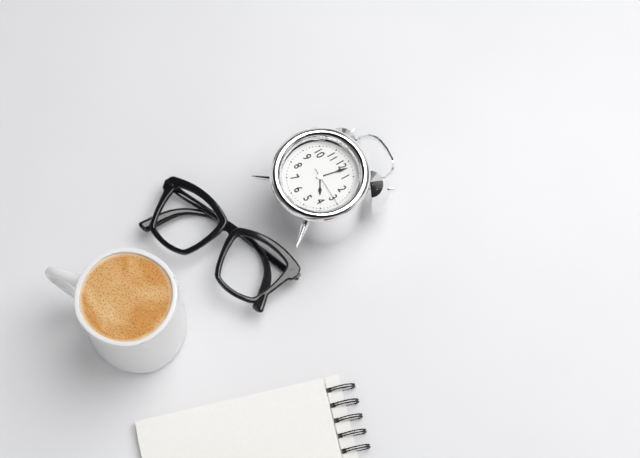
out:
{"hour": 4, "minute": 2}
